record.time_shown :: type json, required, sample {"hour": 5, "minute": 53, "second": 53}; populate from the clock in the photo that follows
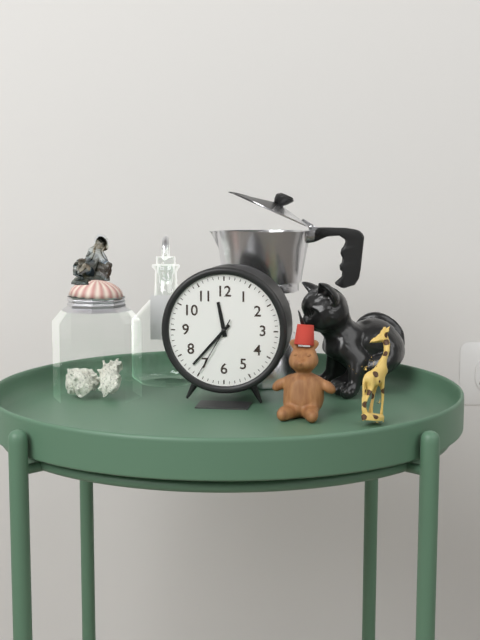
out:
{"hour": 11, "minute": 37, "second": 35}
